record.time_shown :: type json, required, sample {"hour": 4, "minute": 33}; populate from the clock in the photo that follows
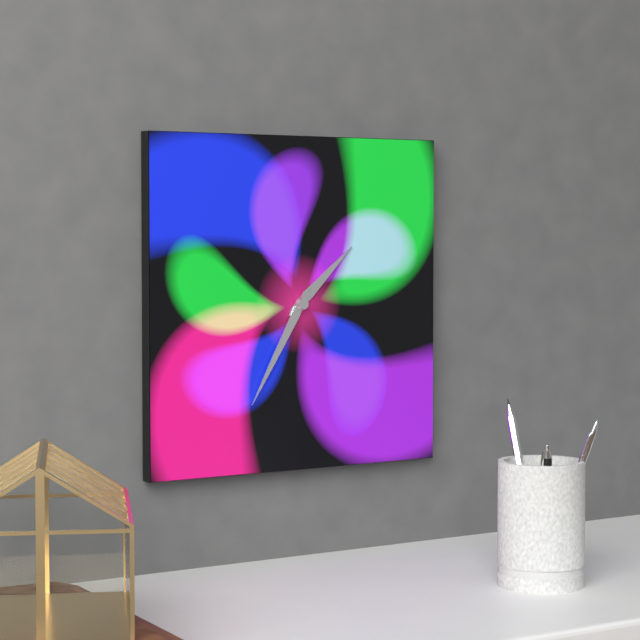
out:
{"hour": 1, "minute": 35}
